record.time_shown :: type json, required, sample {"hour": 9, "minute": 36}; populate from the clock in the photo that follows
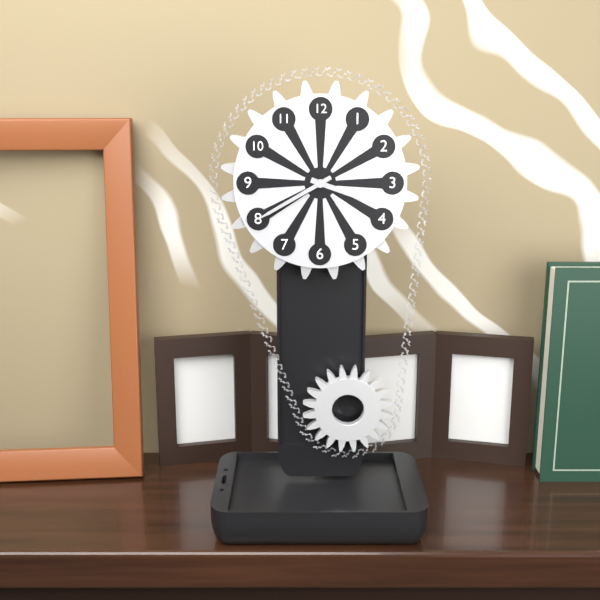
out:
{"hour": 3, "minute": 40}
